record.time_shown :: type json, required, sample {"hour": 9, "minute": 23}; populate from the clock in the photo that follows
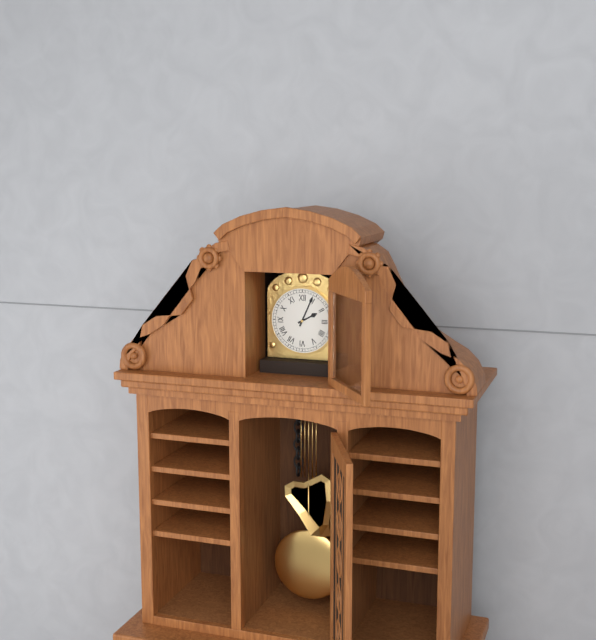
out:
{"hour": 2, "minute": 4}
